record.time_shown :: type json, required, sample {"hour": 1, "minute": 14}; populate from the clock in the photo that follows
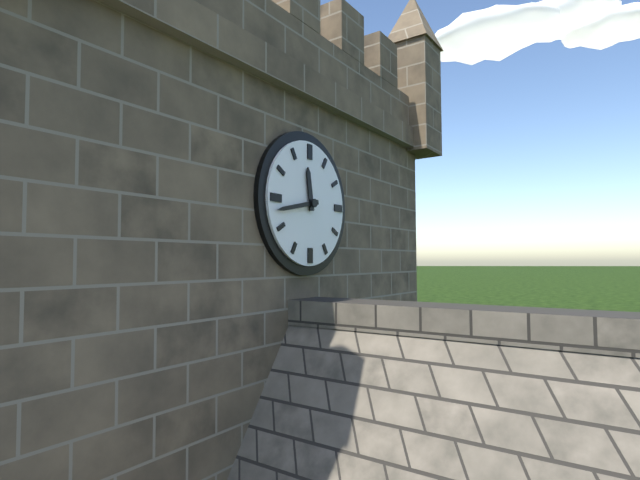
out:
{"hour": 11, "minute": 43}
